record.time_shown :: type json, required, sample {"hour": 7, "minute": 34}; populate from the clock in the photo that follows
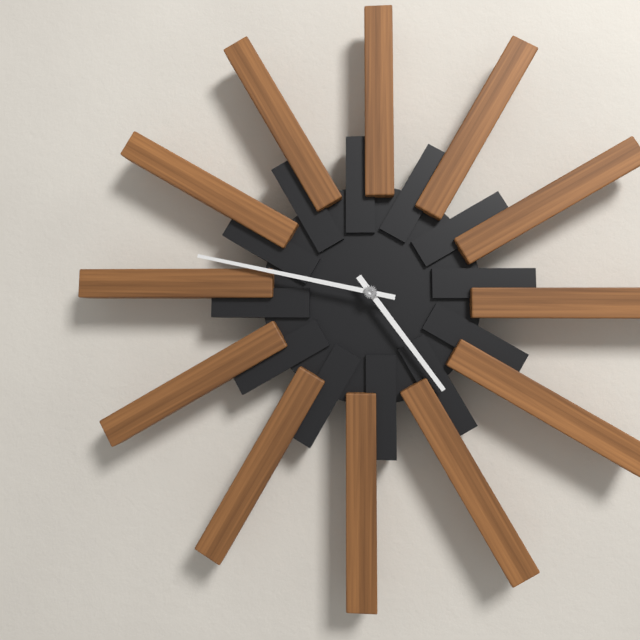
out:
{"hour": 4, "minute": 47}
